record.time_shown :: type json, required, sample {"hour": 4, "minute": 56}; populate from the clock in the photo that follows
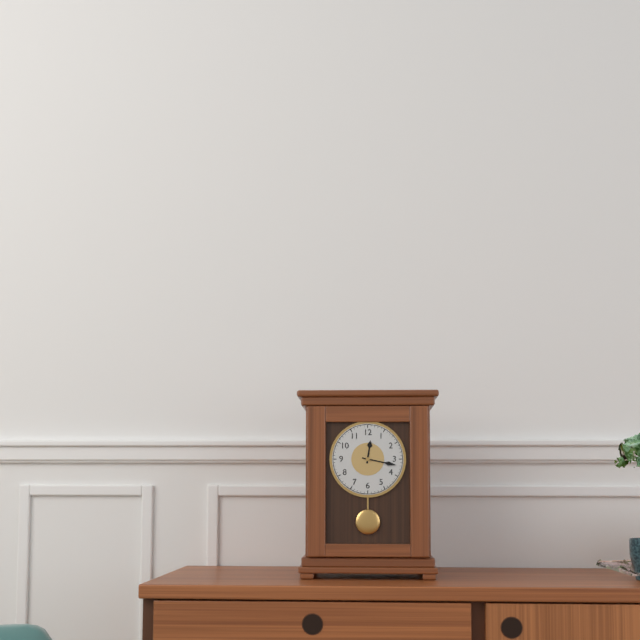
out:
{"hour": 12, "minute": 17}
